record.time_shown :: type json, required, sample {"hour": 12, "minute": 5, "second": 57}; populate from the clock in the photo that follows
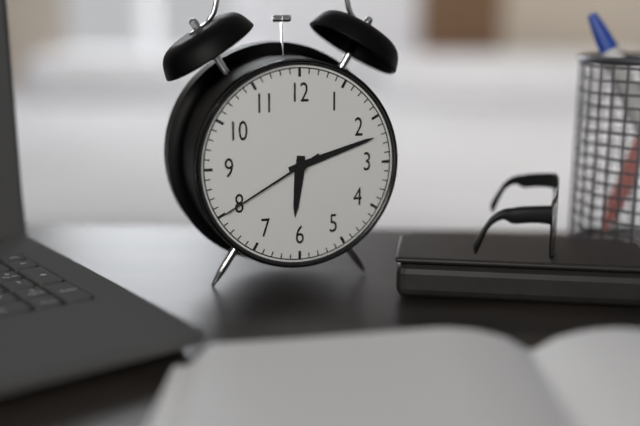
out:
{"hour": 6, "minute": 12, "second": 40}
